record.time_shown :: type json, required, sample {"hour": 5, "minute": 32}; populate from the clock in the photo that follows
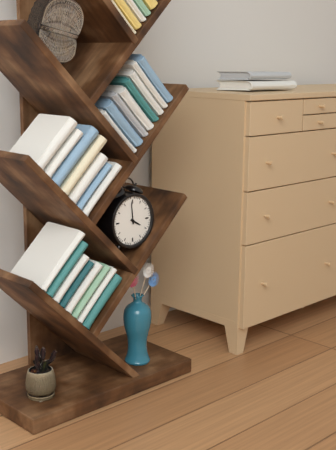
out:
{"hour": 3, "minute": 59}
